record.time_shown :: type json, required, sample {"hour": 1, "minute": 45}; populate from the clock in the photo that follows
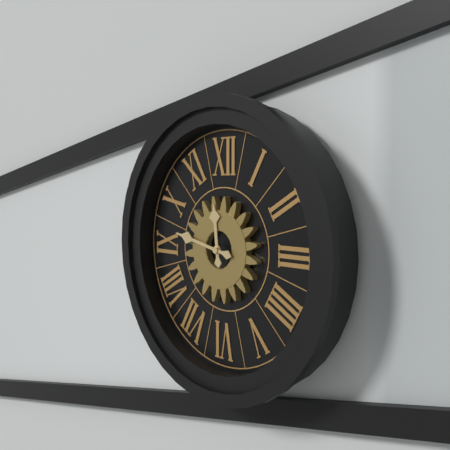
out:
{"hour": 11, "minute": 47}
